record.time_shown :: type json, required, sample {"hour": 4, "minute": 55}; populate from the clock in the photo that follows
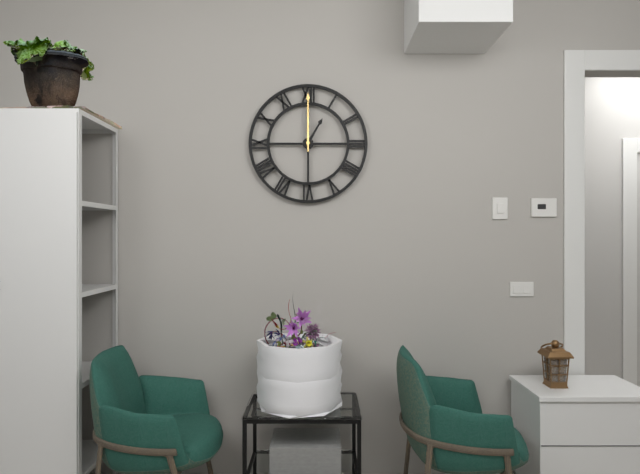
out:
{"hour": 1, "minute": 0}
